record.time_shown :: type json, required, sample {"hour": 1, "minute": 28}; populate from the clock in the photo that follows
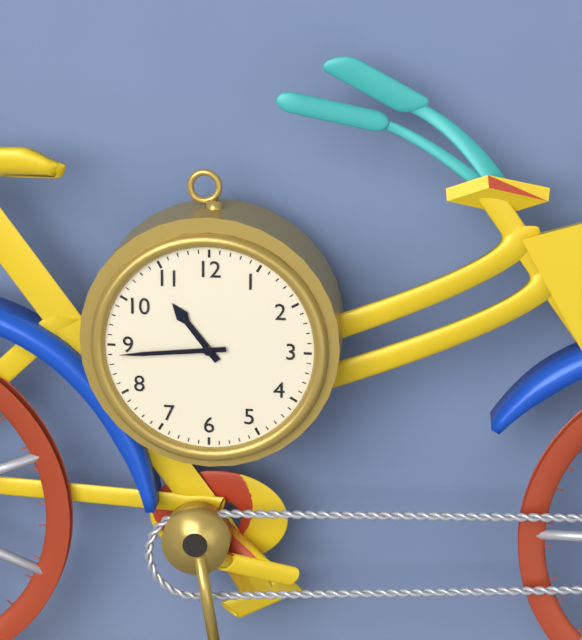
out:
{"hour": 10, "minute": 44}
